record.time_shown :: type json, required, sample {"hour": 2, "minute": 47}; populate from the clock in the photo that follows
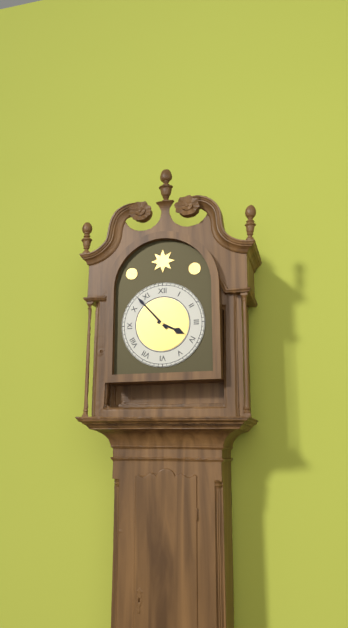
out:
{"hour": 3, "minute": 53}
